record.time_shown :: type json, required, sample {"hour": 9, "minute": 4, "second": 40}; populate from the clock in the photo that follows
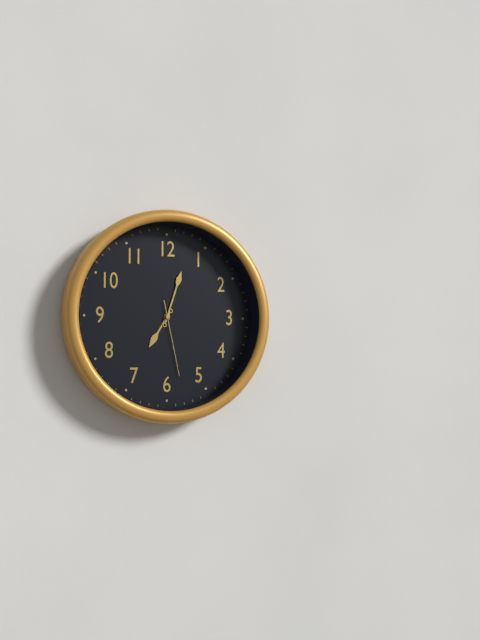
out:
{"hour": 7, "minute": 3, "second": 28}
